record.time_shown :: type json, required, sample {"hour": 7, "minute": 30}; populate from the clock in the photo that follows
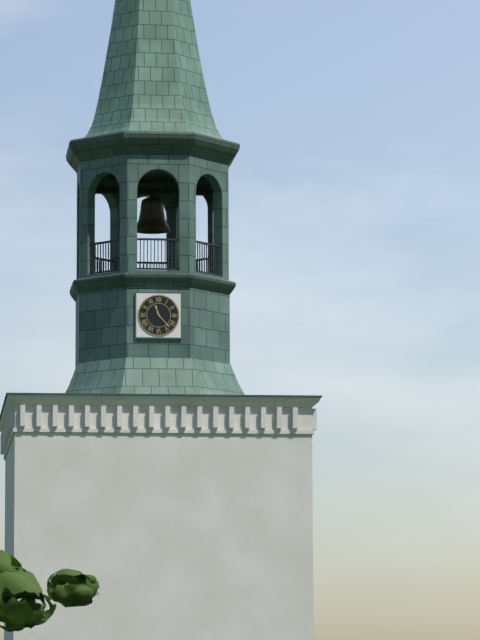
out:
{"hour": 11, "minute": 23}
